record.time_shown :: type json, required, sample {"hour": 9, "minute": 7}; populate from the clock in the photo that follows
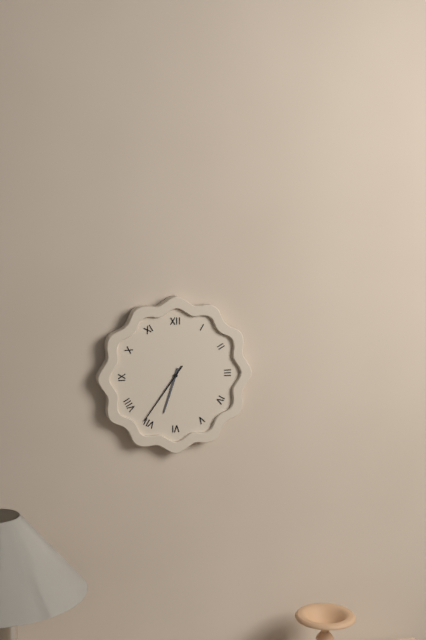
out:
{"hour": 6, "minute": 36}
